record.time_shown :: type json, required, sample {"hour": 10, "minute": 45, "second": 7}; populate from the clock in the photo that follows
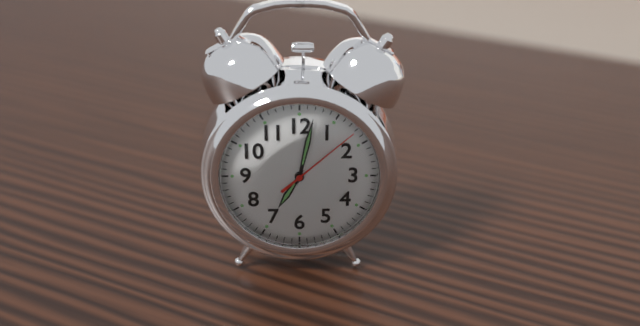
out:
{"hour": 7, "minute": 2, "second": 8}
